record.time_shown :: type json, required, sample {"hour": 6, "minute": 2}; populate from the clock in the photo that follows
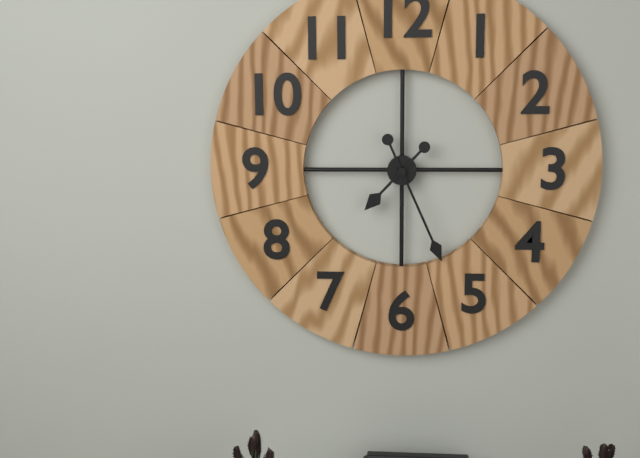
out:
{"hour": 7, "minute": 26}
